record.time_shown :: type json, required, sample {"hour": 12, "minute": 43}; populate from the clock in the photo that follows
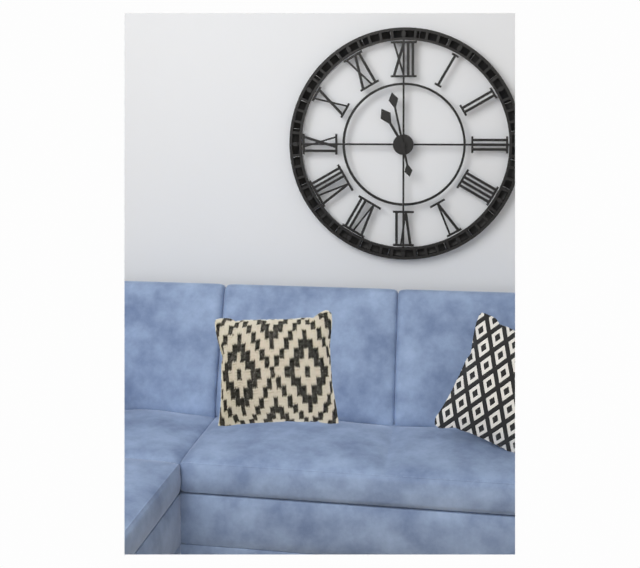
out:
{"hour": 10, "minute": 58}
